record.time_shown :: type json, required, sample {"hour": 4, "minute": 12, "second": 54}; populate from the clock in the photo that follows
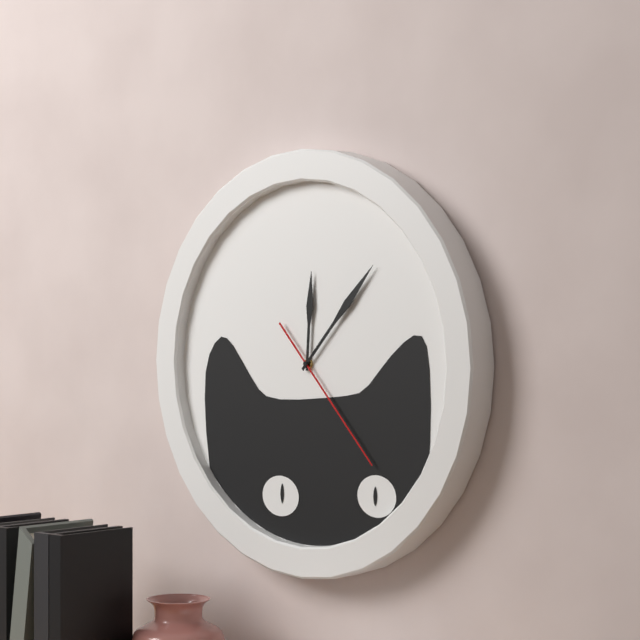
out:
{"hour": 12, "minute": 7, "second": 23}
